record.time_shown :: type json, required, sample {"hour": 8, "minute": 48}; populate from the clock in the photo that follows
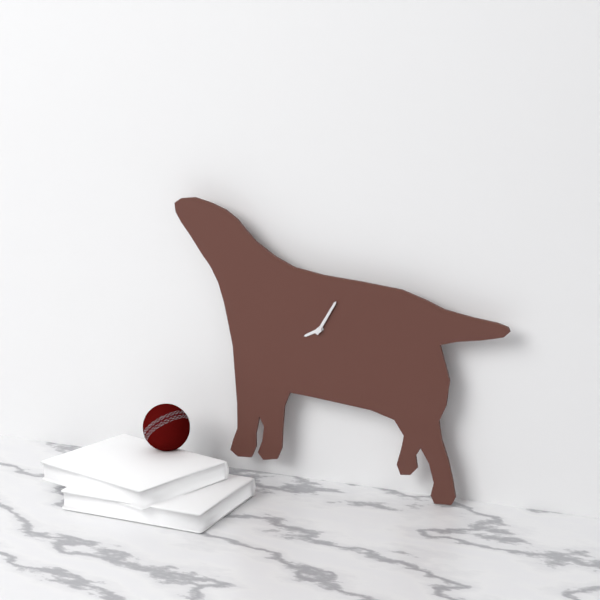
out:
{"hour": 8, "minute": 5}
